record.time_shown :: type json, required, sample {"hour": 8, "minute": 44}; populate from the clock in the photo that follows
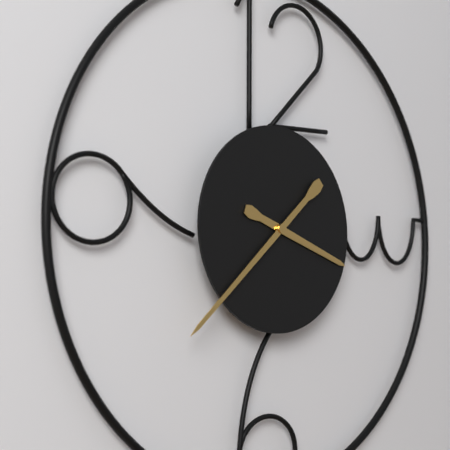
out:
{"hour": 3, "minute": 38}
